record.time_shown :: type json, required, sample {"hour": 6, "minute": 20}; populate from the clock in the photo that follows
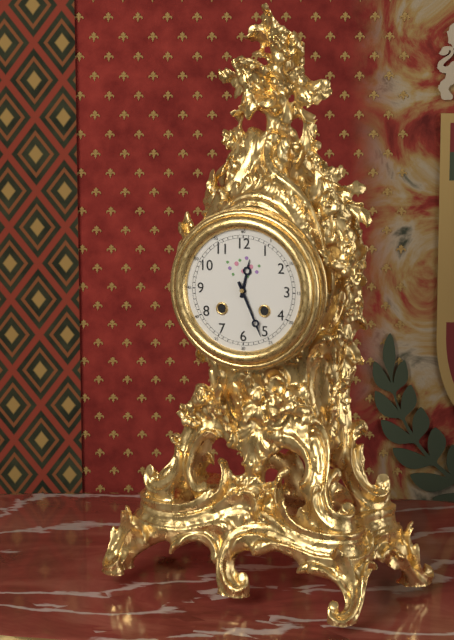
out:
{"hour": 12, "minute": 26}
